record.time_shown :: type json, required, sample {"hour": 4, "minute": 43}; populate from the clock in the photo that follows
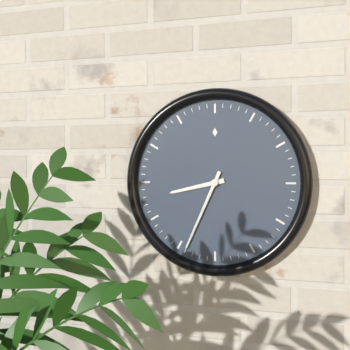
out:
{"hour": 8, "minute": 34}
